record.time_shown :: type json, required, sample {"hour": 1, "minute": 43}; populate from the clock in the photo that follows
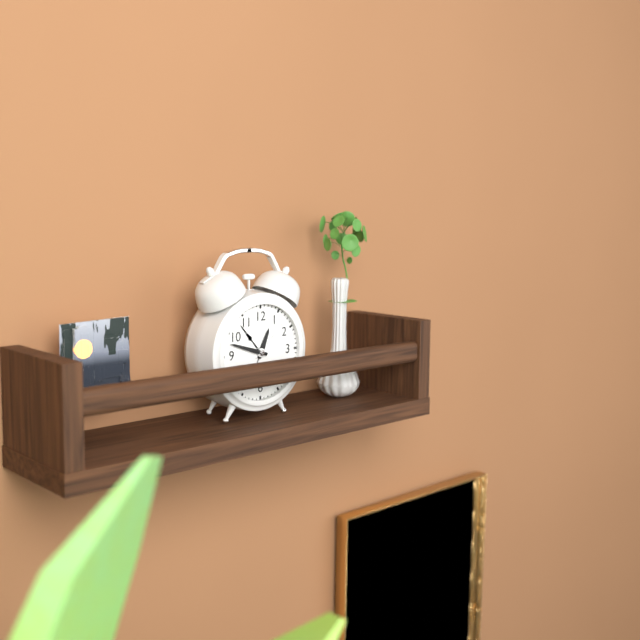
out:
{"hour": 12, "minute": 48}
